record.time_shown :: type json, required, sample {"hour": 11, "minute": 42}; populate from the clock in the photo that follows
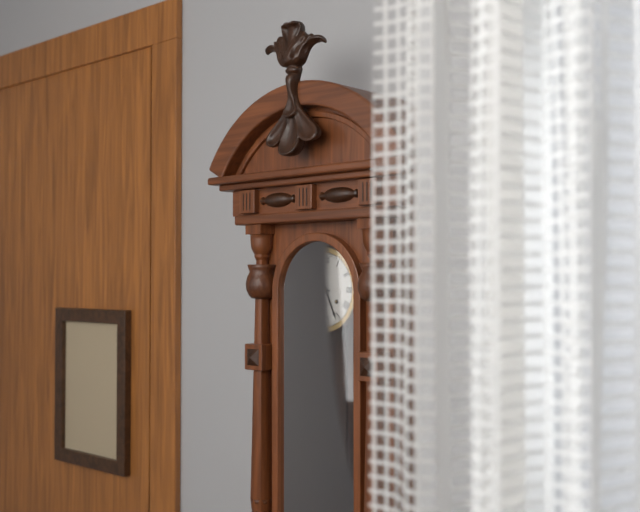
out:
{"hour": 9, "minute": 26}
